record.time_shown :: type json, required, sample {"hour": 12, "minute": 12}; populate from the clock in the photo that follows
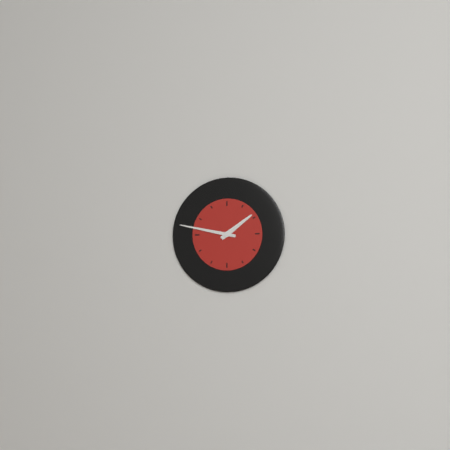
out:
{"hour": 1, "minute": 47}
